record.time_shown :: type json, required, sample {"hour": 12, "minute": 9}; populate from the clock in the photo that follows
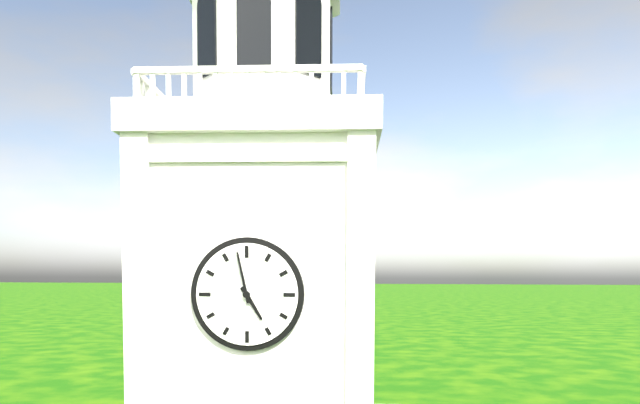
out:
{"hour": 4, "minute": 58}
